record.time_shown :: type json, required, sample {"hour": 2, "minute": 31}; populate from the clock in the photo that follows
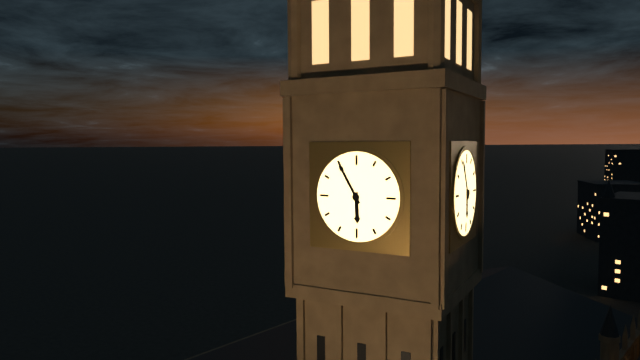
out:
{"hour": 5, "minute": 55}
